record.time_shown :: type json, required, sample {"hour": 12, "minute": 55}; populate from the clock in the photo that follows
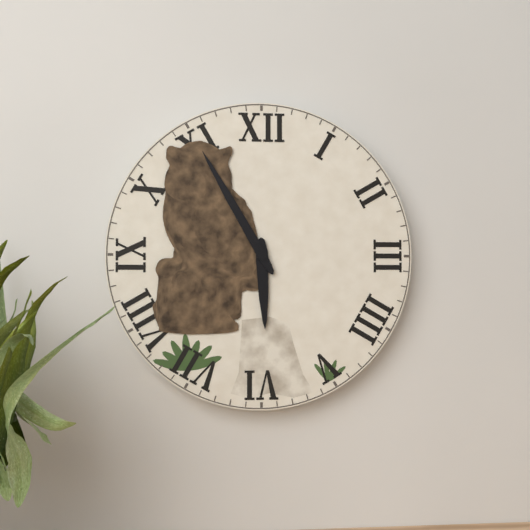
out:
{"hour": 5, "minute": 55}
